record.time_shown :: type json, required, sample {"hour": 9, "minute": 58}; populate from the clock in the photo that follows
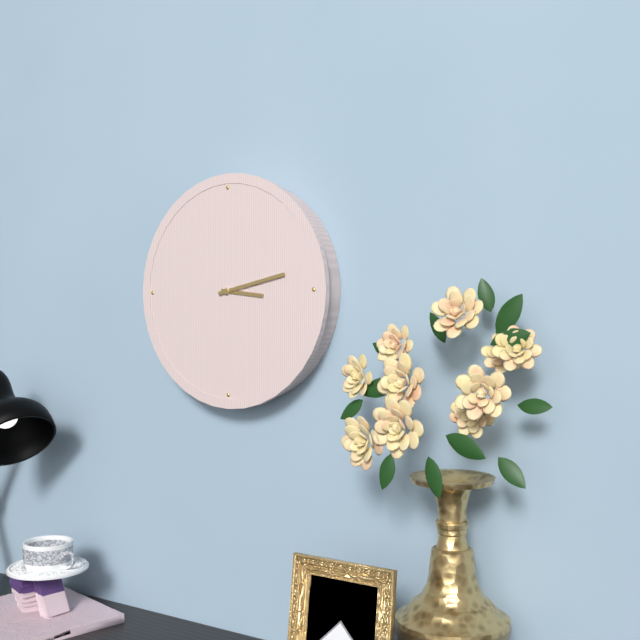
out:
{"hour": 3, "minute": 13}
